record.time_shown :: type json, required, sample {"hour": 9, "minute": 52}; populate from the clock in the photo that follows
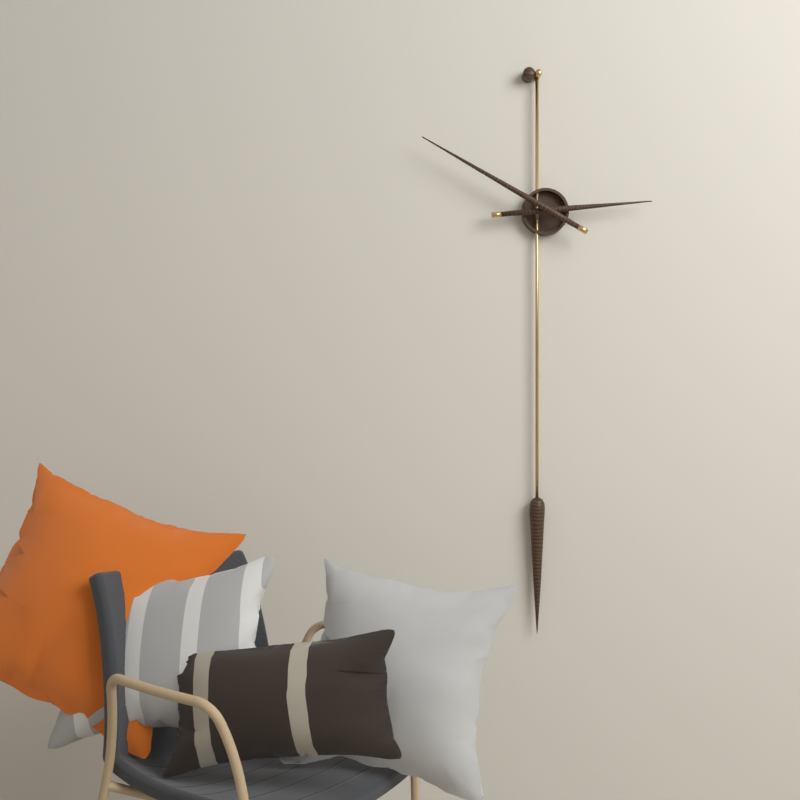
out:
{"hour": 2, "minute": 50}
